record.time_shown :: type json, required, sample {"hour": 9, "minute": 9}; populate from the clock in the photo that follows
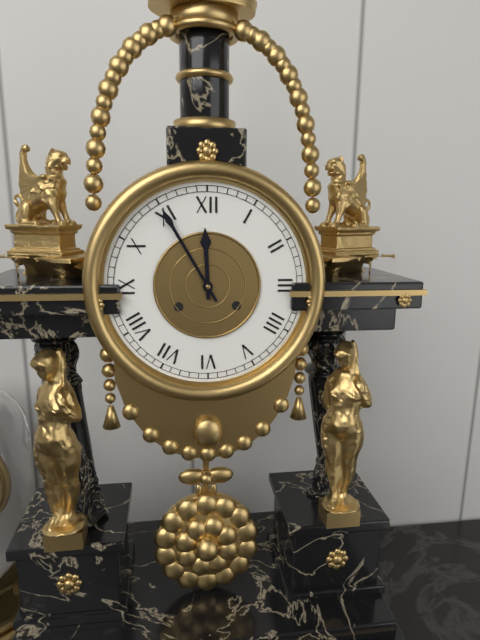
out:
{"hour": 11, "minute": 55}
